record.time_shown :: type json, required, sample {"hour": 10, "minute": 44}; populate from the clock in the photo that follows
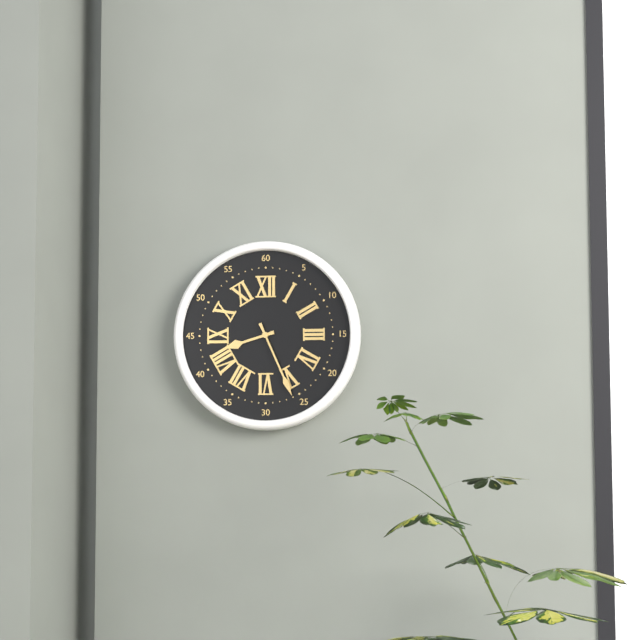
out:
{"hour": 8, "minute": 26}
